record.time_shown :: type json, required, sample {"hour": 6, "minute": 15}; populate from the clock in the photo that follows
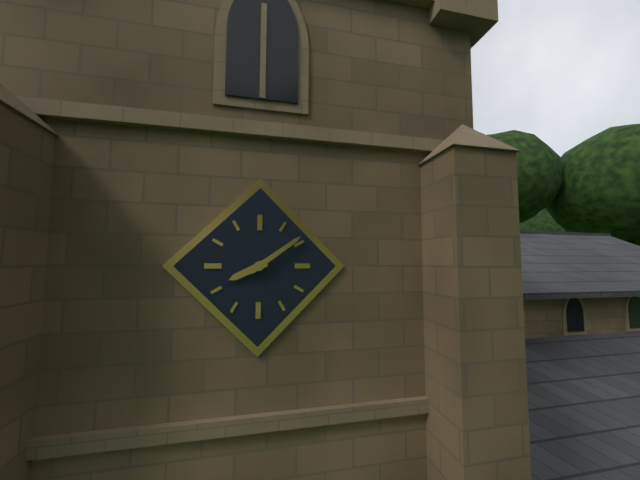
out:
{"hour": 8, "minute": 9}
